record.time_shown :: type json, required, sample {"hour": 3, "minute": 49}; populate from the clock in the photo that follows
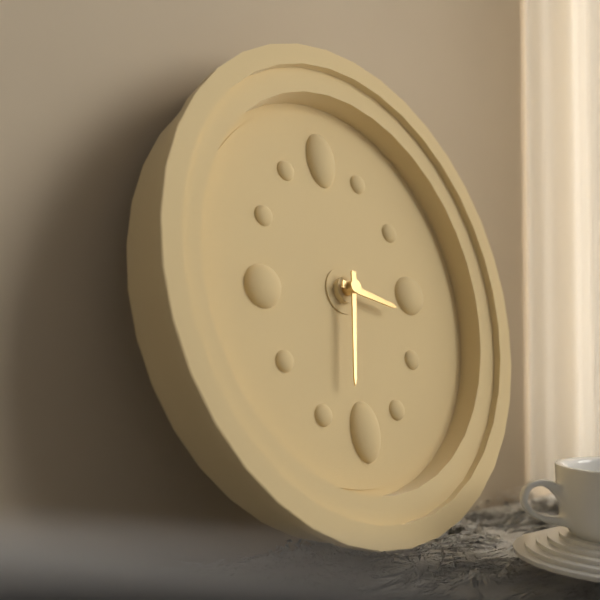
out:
{"hour": 3, "minute": 32}
